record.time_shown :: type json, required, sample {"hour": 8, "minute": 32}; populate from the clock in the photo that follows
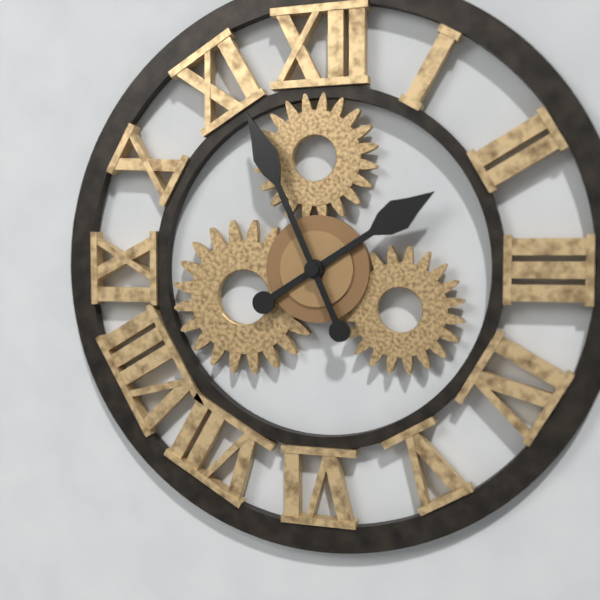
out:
{"hour": 1, "minute": 56}
